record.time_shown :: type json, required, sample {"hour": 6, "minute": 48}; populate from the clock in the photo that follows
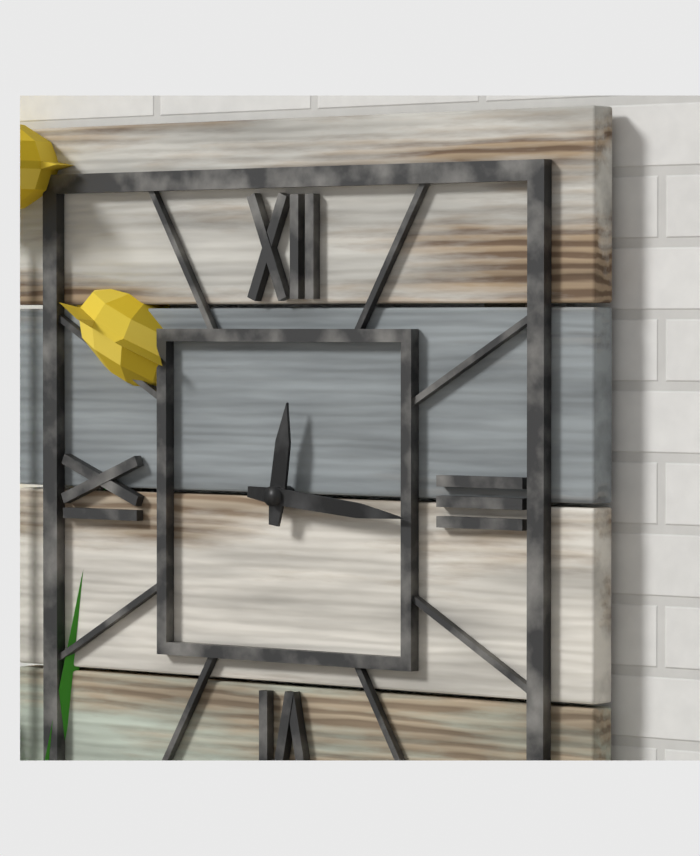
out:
{"hour": 12, "minute": 16}
